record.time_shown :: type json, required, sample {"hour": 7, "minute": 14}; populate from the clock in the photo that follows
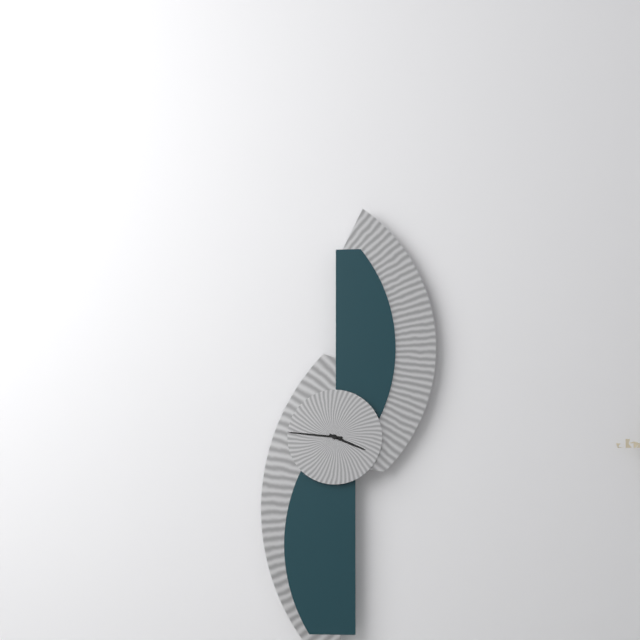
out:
{"hour": 3, "minute": 46}
